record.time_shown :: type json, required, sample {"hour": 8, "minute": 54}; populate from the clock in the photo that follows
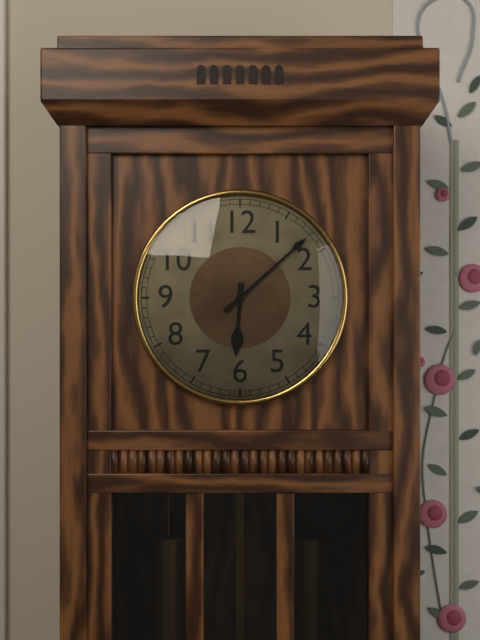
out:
{"hour": 6, "minute": 8}
